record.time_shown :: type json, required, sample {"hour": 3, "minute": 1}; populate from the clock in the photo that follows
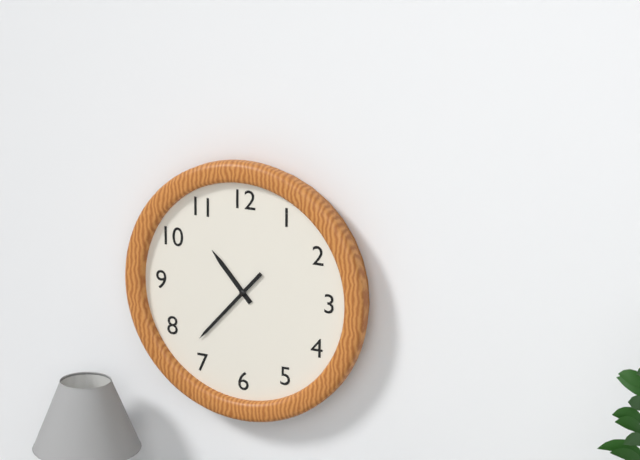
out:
{"hour": 10, "minute": 37}
